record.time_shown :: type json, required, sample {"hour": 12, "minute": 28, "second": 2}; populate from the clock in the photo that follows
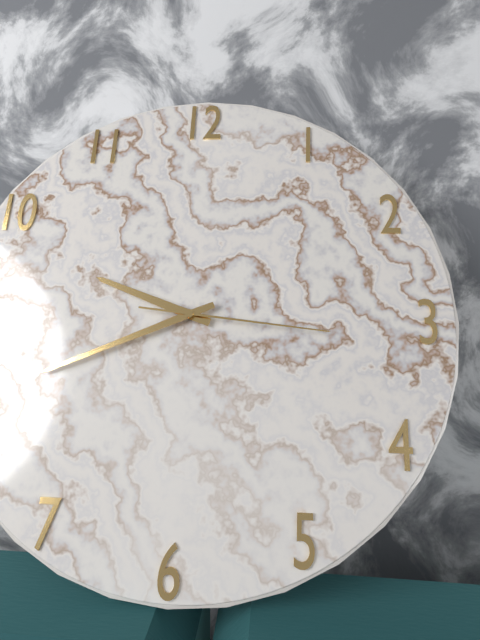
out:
{"hour": 9, "minute": 41, "second": 16}
